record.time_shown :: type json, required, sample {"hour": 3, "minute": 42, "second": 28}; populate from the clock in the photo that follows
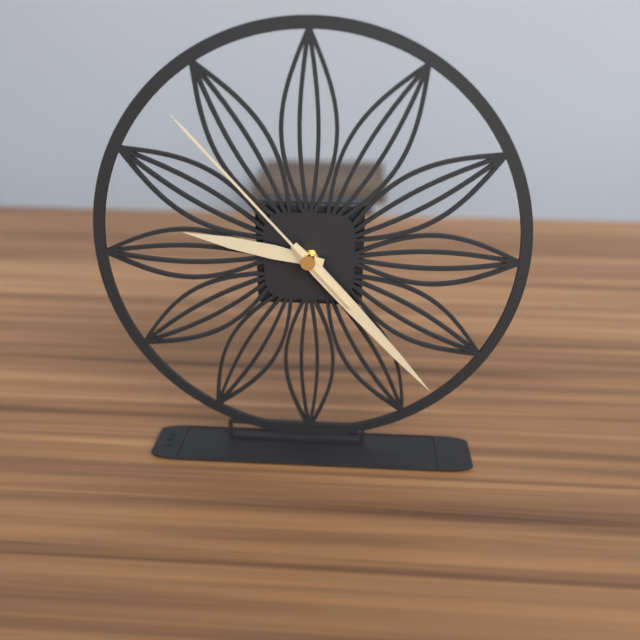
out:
{"hour": 9, "minute": 23, "second": 53}
